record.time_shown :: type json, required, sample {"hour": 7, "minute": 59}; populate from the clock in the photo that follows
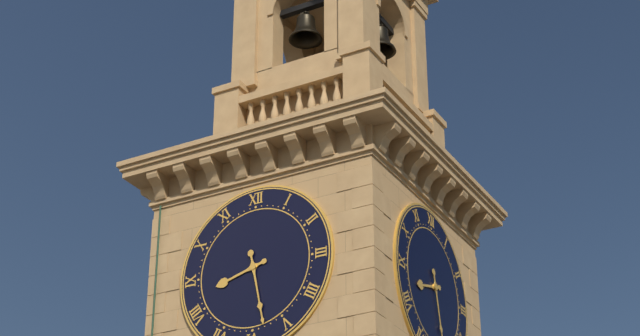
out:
{"hour": 8, "minute": 28}
